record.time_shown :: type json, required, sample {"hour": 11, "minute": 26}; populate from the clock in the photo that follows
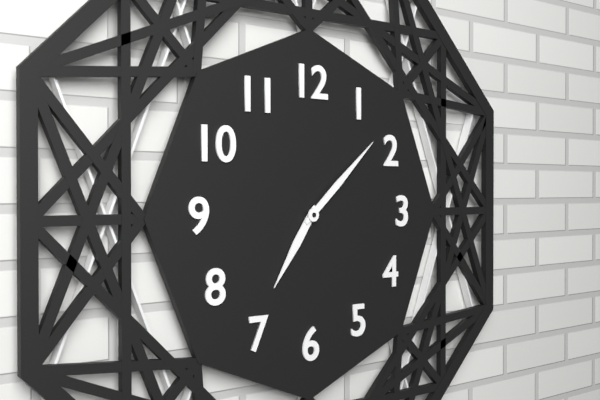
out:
{"hour": 7, "minute": 8}
